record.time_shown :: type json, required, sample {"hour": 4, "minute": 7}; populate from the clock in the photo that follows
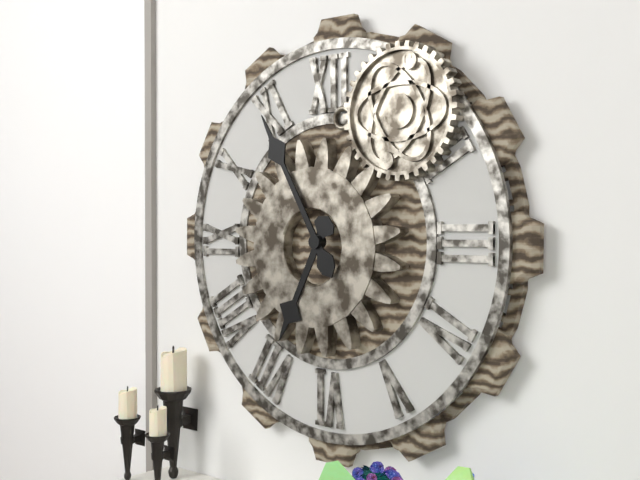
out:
{"hour": 6, "minute": 55}
